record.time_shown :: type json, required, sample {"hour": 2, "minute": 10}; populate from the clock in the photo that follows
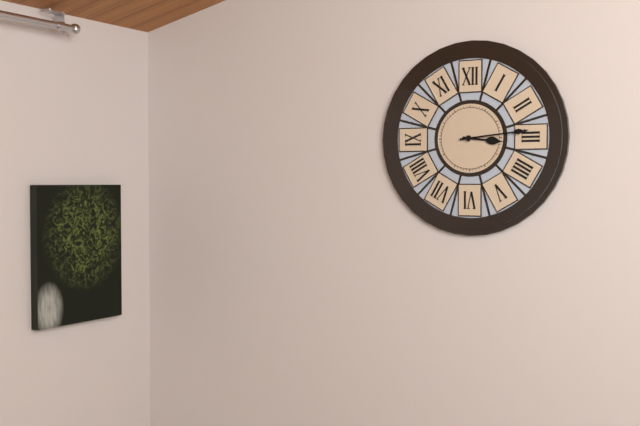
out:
{"hour": 3, "minute": 14}
